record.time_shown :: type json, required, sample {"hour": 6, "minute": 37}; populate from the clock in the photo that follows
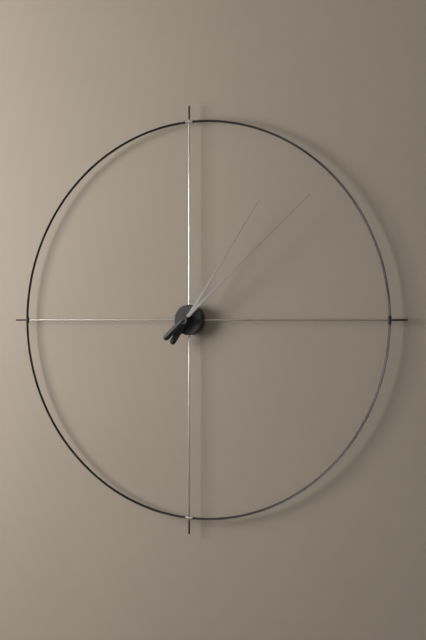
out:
{"hour": 1, "minute": 8}
